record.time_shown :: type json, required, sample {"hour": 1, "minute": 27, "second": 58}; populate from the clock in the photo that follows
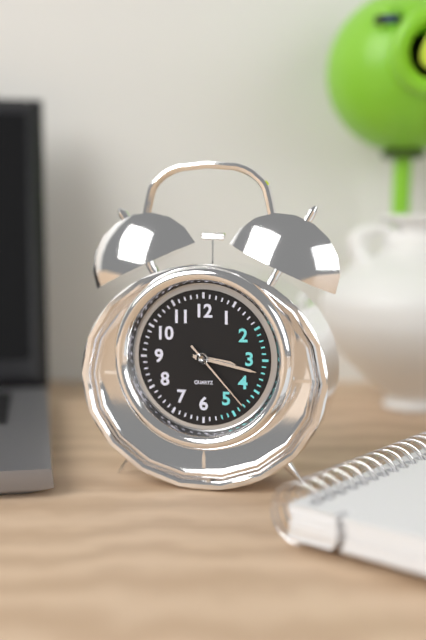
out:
{"hour": 3, "minute": 17, "second": 23}
